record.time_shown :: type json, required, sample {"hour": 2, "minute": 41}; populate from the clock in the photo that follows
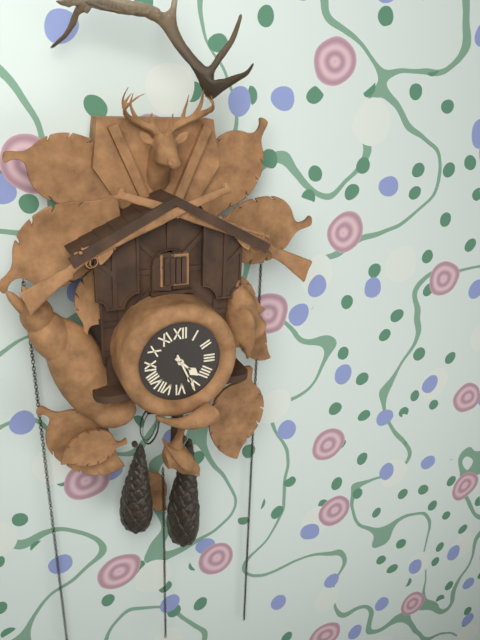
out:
{"hour": 4, "minute": 26}
